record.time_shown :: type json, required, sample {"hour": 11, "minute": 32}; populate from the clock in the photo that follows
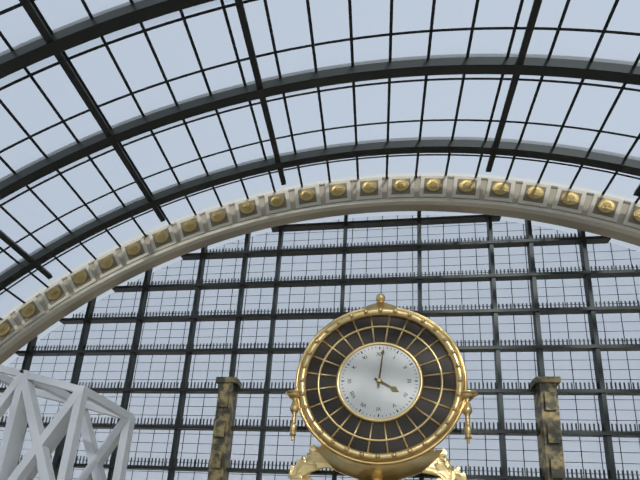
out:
{"hour": 4, "minute": 1}
